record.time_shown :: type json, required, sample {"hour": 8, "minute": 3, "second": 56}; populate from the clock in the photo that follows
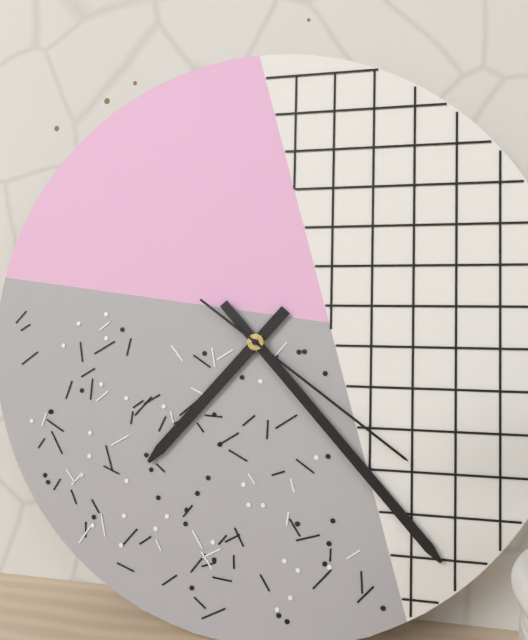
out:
{"hour": 7, "minute": 23, "second": 21}
